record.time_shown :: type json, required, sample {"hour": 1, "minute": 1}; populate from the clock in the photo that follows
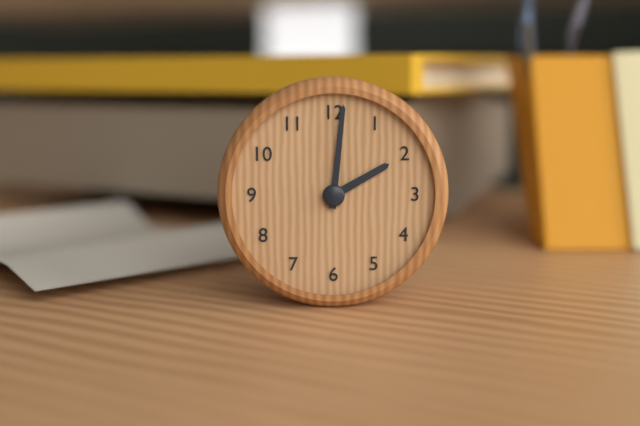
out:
{"hour": 2, "minute": 1}
